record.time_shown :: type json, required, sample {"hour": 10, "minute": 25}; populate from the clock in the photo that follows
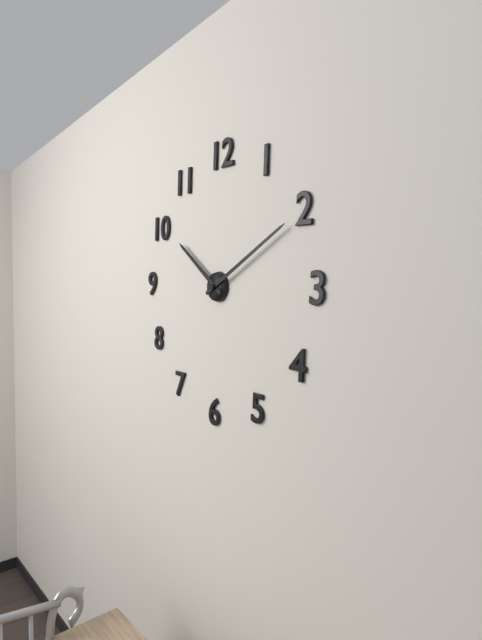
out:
{"hour": 10, "minute": 10}
